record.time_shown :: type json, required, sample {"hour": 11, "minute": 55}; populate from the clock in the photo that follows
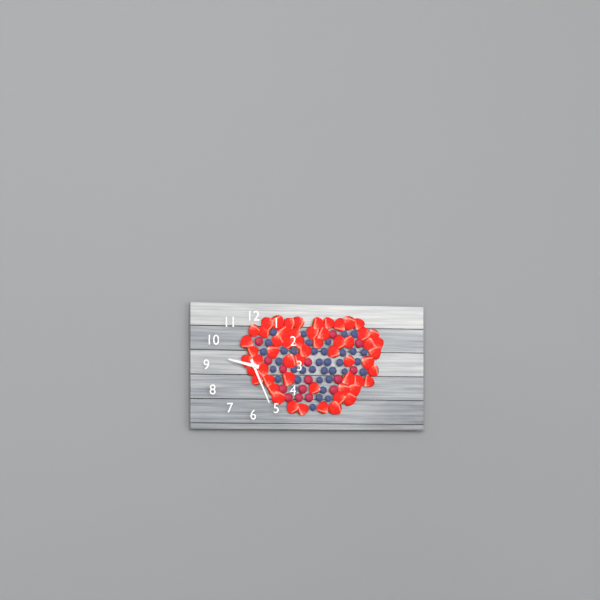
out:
{"hour": 9, "minute": 26}
